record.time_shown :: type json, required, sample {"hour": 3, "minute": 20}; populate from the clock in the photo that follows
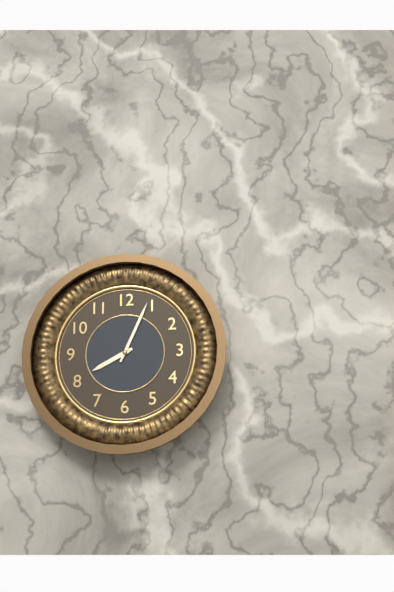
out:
{"hour": 8, "minute": 4}
